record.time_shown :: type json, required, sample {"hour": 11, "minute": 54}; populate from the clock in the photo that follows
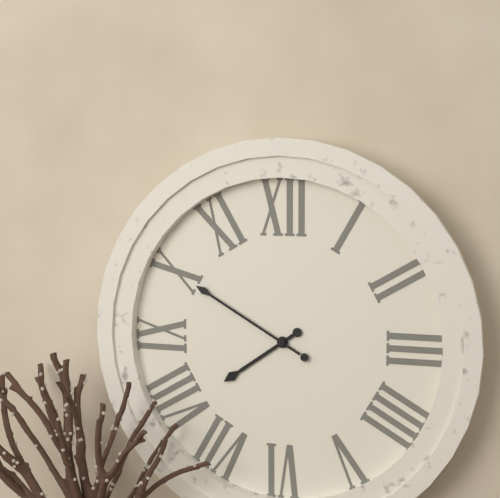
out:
{"hour": 7, "minute": 50}
